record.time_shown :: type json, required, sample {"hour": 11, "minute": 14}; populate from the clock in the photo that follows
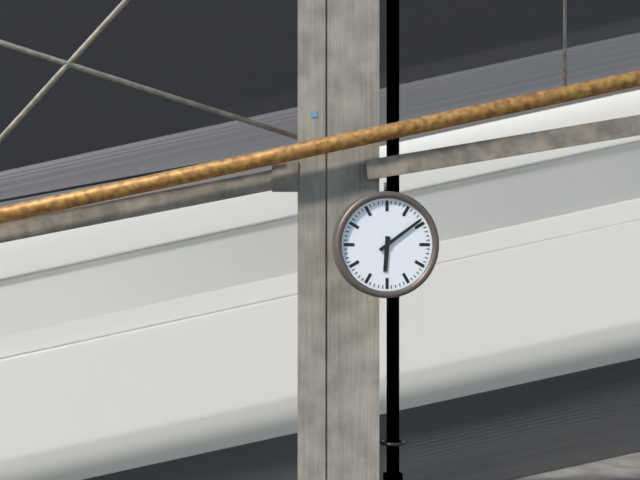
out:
{"hour": 6, "minute": 9}
